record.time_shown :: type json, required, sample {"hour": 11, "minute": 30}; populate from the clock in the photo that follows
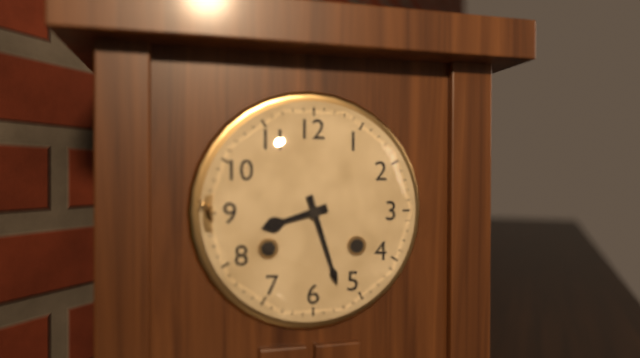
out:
{"hour": 8, "minute": 27}
